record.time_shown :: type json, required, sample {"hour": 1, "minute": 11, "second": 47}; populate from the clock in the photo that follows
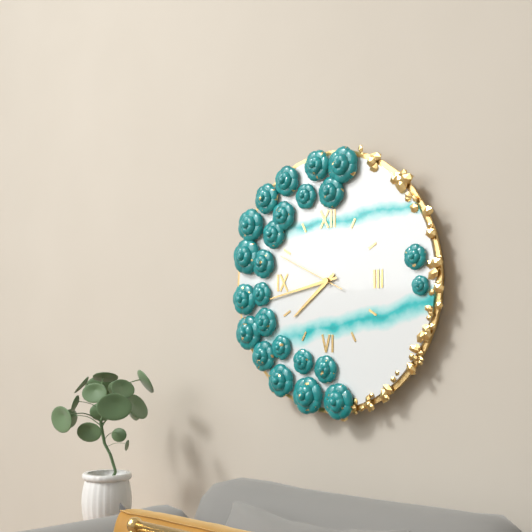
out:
{"hour": 7, "minute": 43, "second": 49}
